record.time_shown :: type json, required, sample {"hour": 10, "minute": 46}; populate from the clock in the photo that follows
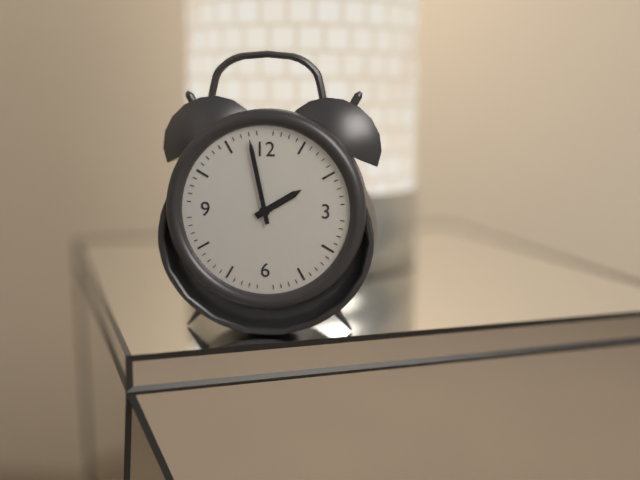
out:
{"hour": 1, "minute": 58}
